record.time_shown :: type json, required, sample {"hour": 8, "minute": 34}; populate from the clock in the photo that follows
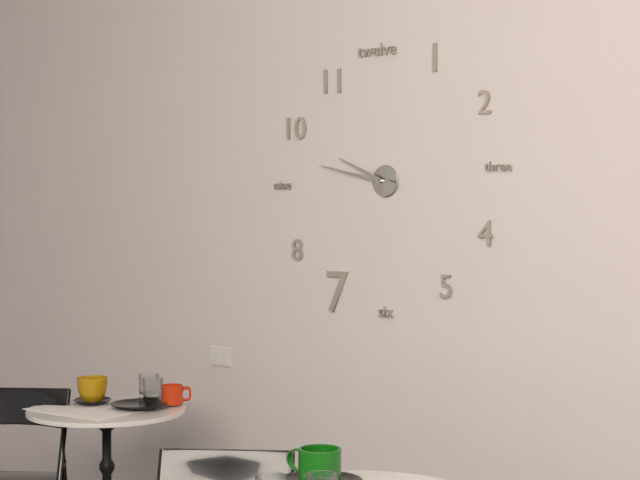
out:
{"hour": 9, "minute": 47}
